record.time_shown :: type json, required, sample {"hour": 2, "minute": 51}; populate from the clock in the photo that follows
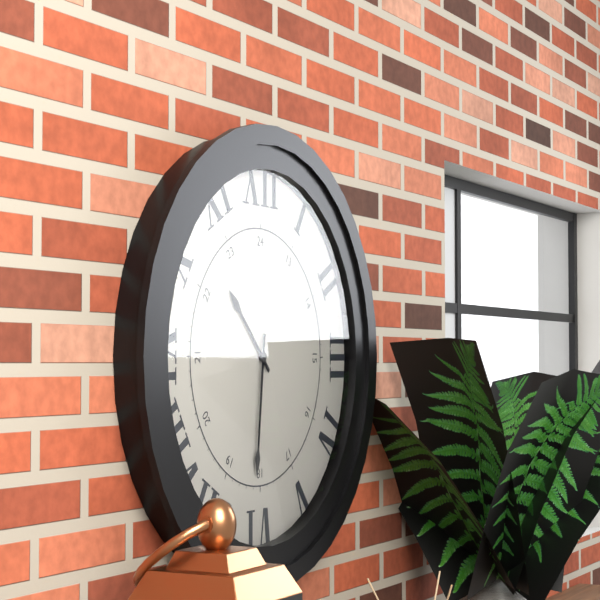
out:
{"hour": 10, "minute": 31}
